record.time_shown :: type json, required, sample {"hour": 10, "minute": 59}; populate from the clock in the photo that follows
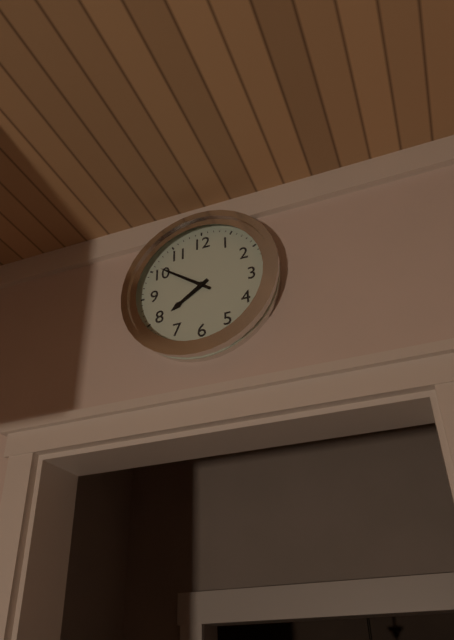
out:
{"hour": 7, "minute": 51}
